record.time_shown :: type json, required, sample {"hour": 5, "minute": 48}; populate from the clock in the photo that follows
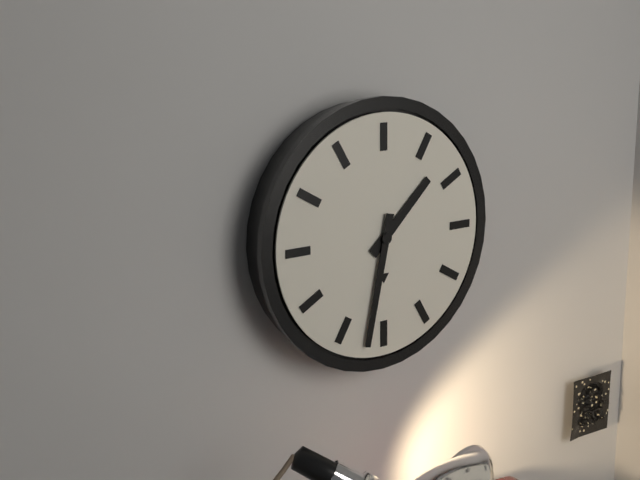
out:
{"hour": 1, "minute": 32}
